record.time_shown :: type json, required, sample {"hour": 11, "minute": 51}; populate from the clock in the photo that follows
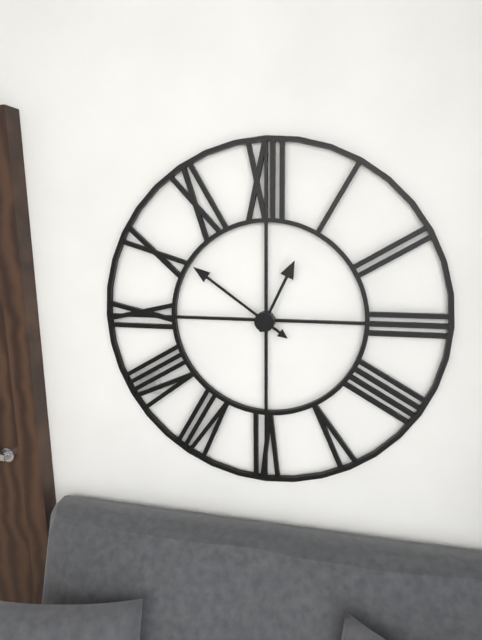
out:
{"hour": 12, "minute": 51}
